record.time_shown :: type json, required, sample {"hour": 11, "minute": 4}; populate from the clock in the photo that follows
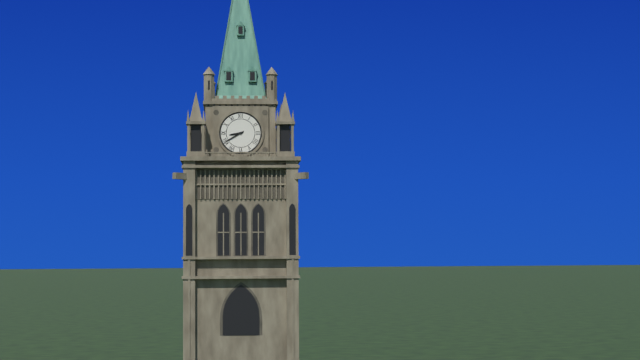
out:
{"hour": 8, "minute": 40}
